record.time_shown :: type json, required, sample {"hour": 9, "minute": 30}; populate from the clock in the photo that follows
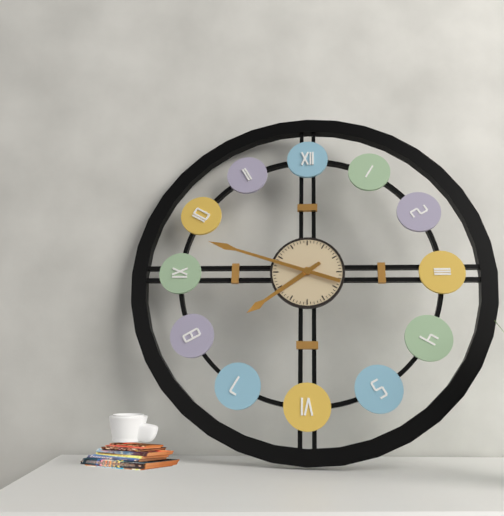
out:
{"hour": 7, "minute": 48}
